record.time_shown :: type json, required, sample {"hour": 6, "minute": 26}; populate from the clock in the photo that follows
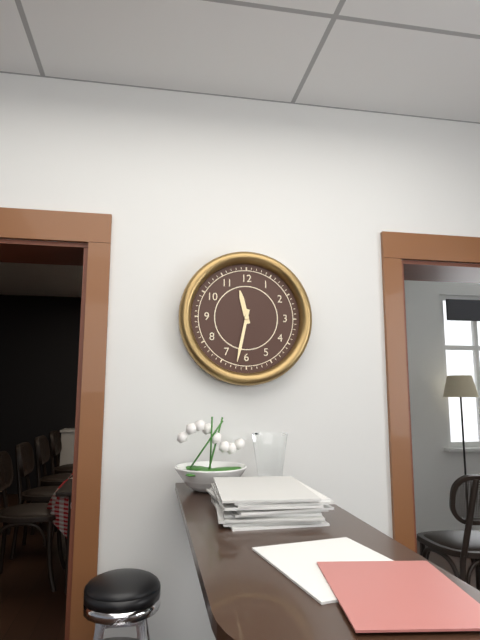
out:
{"hour": 11, "minute": 32}
